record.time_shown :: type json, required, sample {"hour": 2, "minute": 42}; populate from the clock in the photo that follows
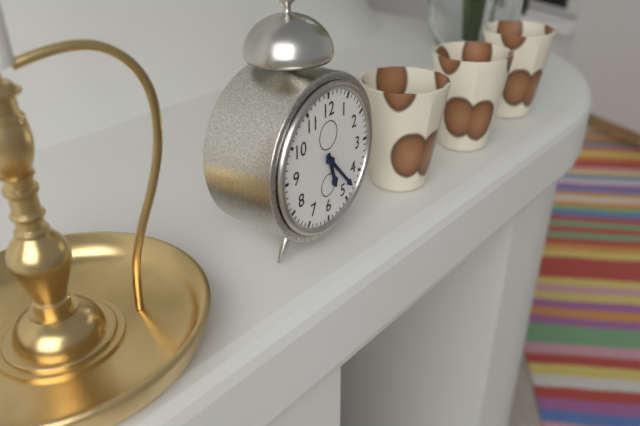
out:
{"hour": 5, "minute": 23}
